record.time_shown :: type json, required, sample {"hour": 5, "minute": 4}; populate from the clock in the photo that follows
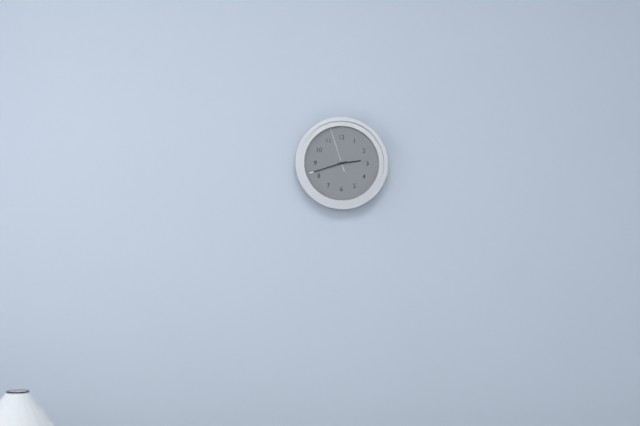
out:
{"hour": 2, "minute": 42}
